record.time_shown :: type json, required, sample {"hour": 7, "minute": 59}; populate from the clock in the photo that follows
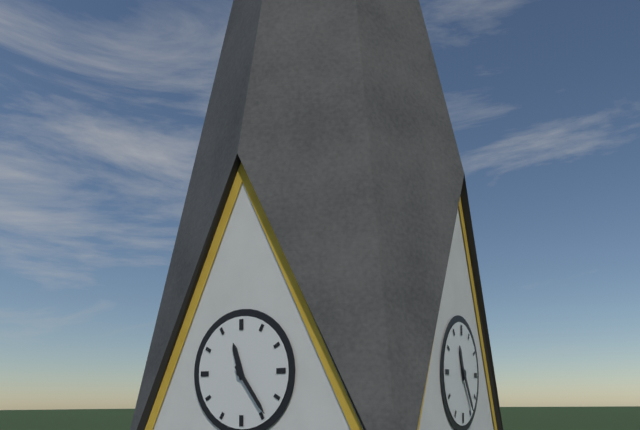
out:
{"hour": 11, "minute": 24}
